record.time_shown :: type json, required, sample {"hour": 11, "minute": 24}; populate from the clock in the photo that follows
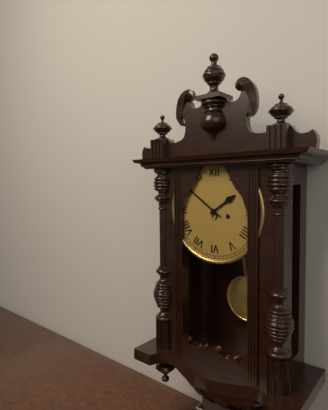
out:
{"hour": 1, "minute": 51}
